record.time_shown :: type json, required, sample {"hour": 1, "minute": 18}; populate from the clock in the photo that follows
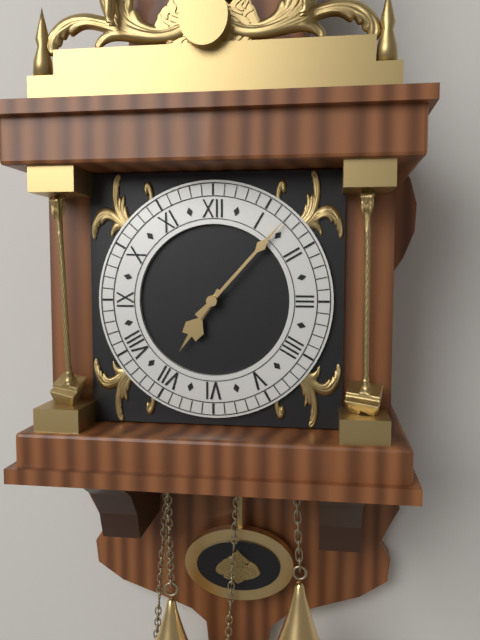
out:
{"hour": 7, "minute": 7}
